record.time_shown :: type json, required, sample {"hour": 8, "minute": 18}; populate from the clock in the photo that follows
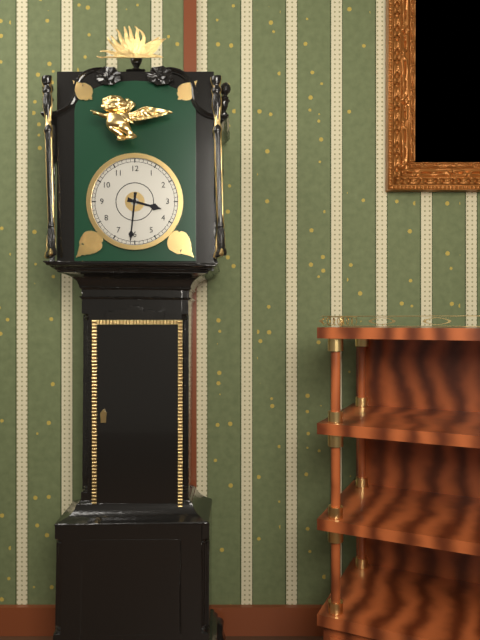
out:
{"hour": 3, "minute": 31}
